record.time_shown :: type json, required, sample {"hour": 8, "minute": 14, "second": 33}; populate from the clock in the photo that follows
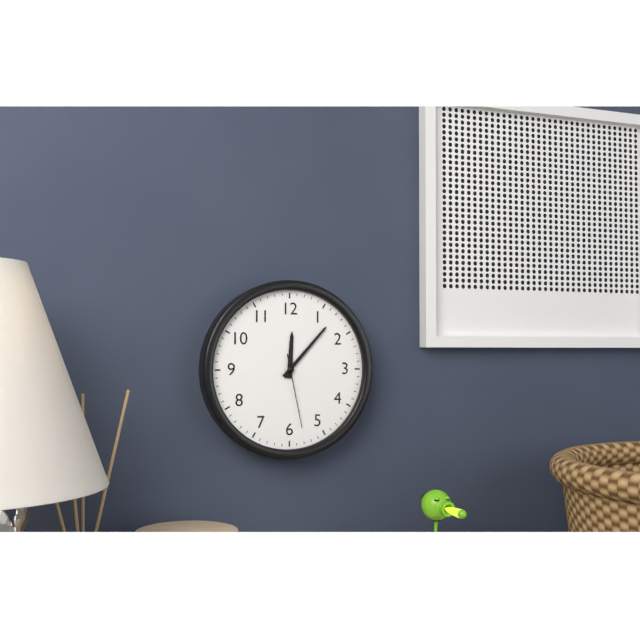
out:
{"hour": 12, "minute": 7, "second": 28}
